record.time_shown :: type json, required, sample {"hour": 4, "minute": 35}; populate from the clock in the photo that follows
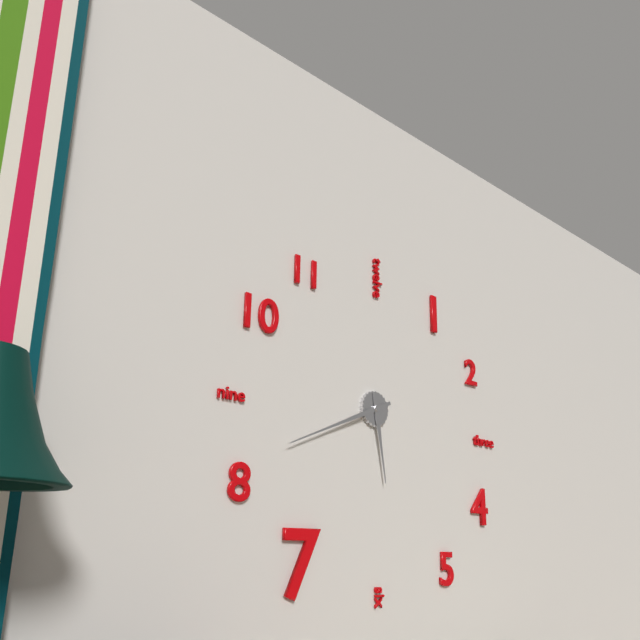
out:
{"hour": 5, "minute": 41}
